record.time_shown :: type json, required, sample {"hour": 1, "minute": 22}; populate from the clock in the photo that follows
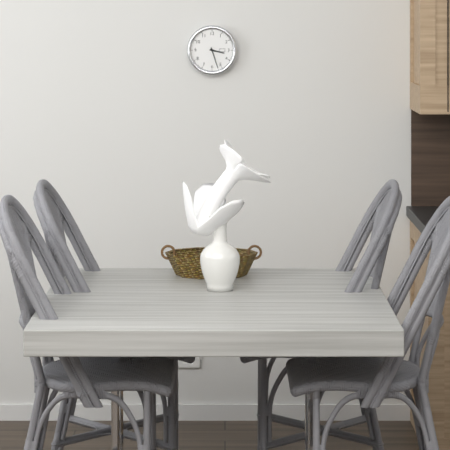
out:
{"hour": 3, "minute": 27}
